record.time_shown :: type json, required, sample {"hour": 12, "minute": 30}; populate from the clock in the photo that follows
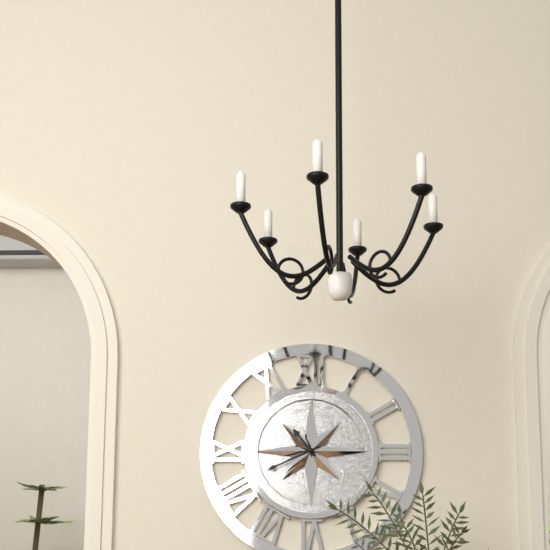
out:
{"hour": 10, "minute": 41}
